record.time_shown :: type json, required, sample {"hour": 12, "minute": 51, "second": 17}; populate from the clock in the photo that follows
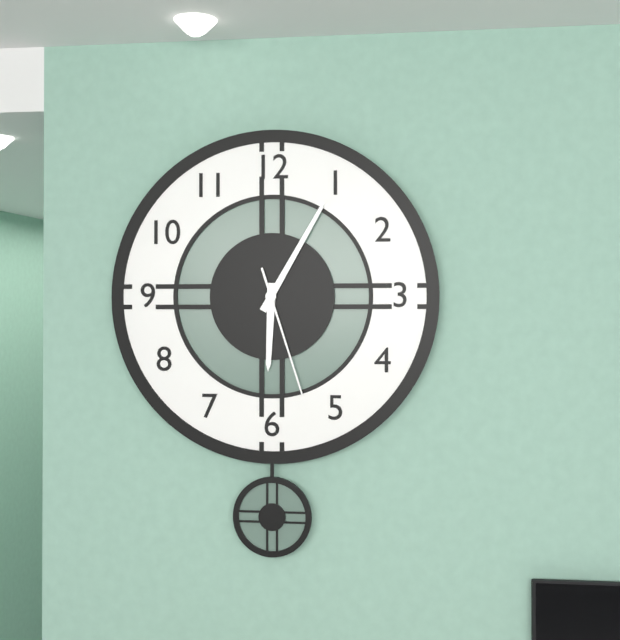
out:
{"hour": 6, "minute": 5, "second": 27}
